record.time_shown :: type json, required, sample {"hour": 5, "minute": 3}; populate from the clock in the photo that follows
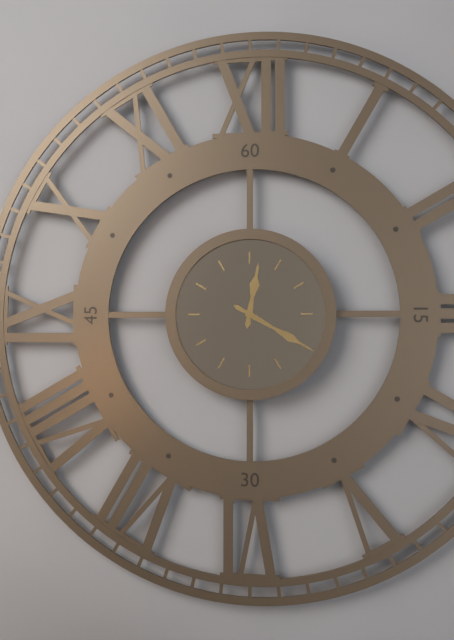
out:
{"hour": 12, "minute": 20}
